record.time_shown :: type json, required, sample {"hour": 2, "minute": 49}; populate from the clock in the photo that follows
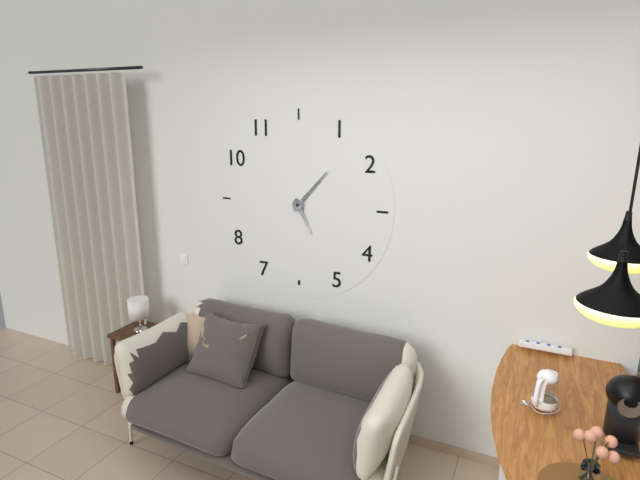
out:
{"hour": 5, "minute": 7}
